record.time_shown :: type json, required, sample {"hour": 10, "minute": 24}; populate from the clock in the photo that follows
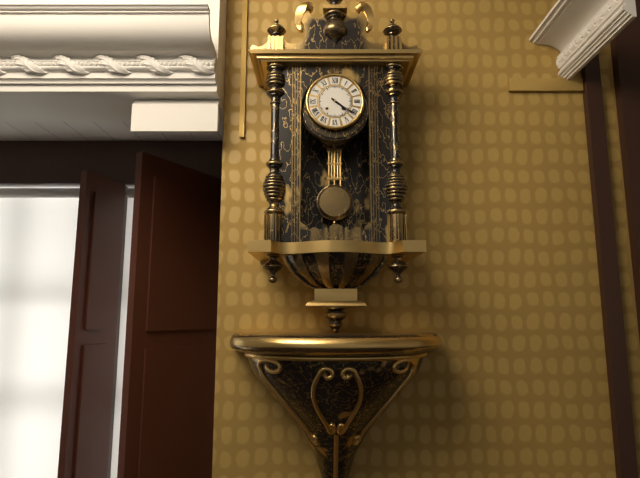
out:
{"hour": 4, "minute": 21}
